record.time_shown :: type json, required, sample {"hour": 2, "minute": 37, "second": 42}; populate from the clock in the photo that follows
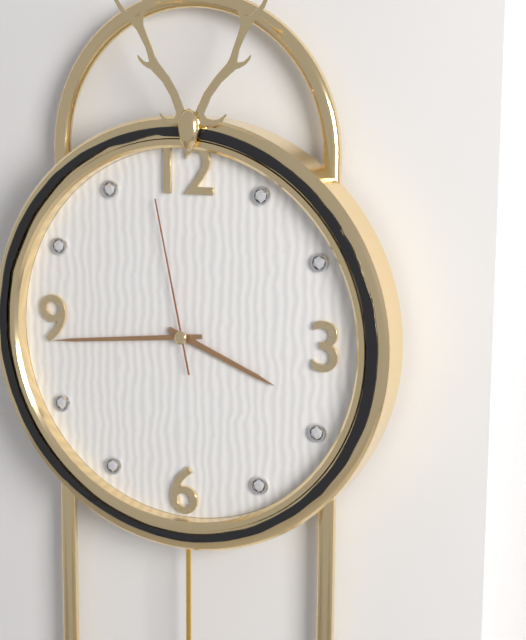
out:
{"hour": 3, "minute": 44, "second": 58}
